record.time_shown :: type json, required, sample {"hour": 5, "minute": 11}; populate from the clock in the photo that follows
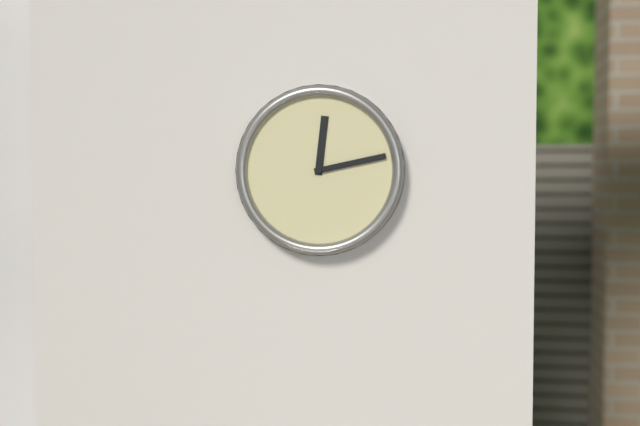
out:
{"hour": 12, "minute": 13}
